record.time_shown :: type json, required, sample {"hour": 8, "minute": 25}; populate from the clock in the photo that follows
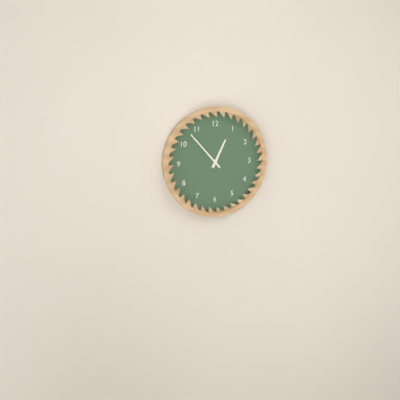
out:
{"hour": 12, "minute": 53}
